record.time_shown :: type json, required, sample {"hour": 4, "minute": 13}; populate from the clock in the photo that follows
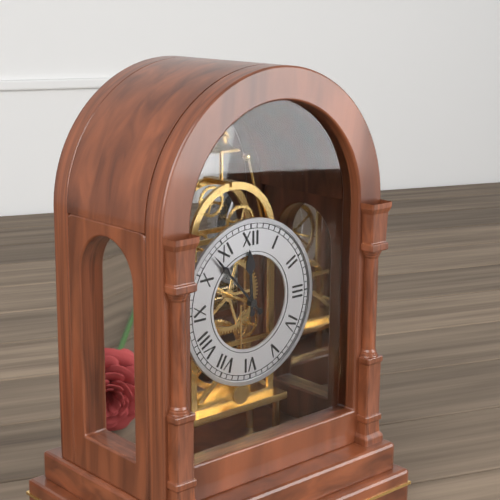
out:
{"hour": 11, "minute": 53}
